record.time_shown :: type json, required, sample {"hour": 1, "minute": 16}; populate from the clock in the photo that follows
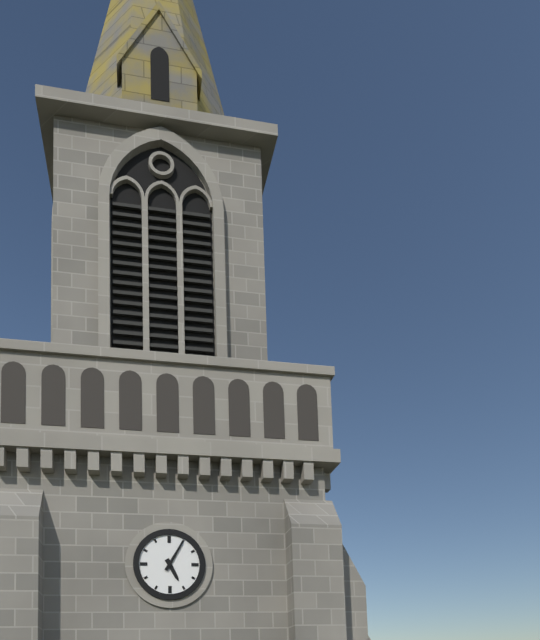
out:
{"hour": 5, "minute": 5}
